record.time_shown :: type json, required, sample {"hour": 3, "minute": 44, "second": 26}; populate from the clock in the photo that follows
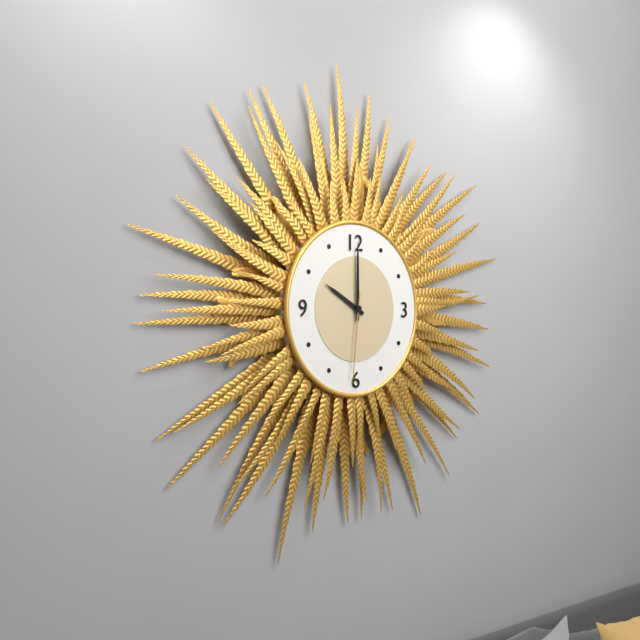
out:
{"hour": 10, "minute": 0, "second": 31}
